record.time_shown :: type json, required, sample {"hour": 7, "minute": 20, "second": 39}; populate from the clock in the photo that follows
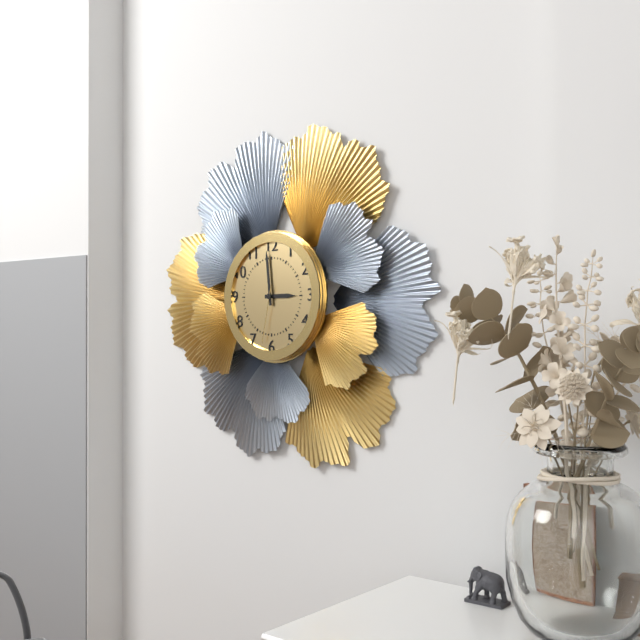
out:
{"hour": 2, "minute": 59, "second": 32}
